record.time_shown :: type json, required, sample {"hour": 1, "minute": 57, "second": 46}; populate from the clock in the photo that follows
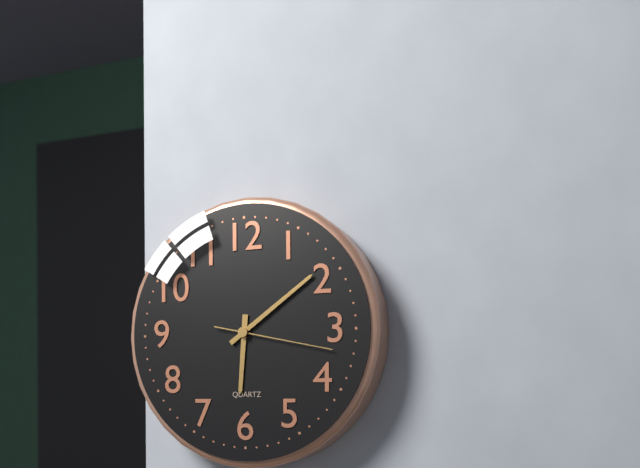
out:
{"hour": 6, "minute": 9, "second": 17}
